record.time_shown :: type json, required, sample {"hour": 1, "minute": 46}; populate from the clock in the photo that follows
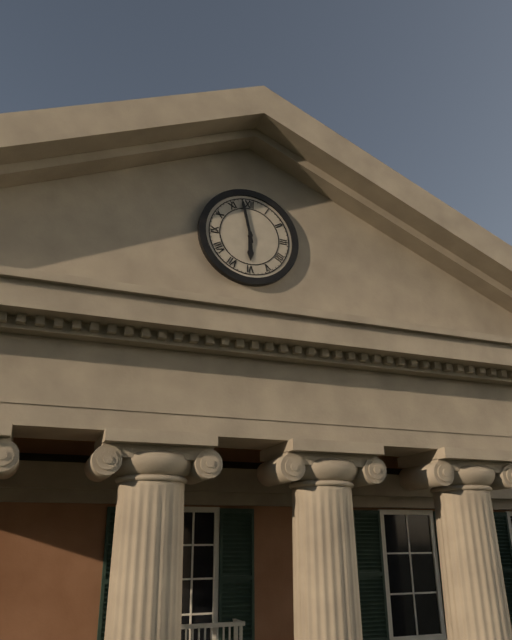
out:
{"hour": 5, "minute": 58}
